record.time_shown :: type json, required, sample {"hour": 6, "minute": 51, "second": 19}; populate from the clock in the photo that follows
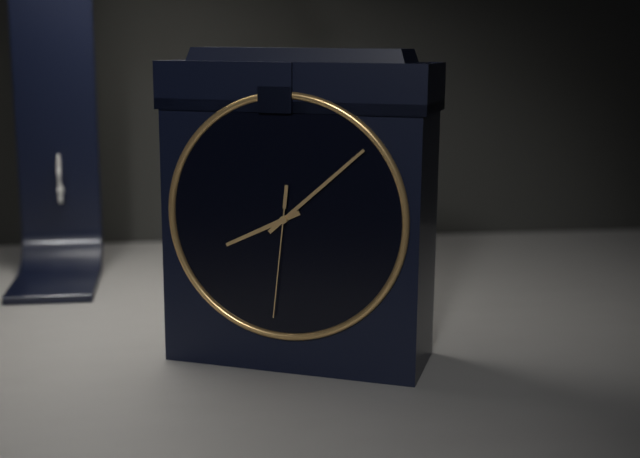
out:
{"hour": 8, "minute": 8, "second": 31}
